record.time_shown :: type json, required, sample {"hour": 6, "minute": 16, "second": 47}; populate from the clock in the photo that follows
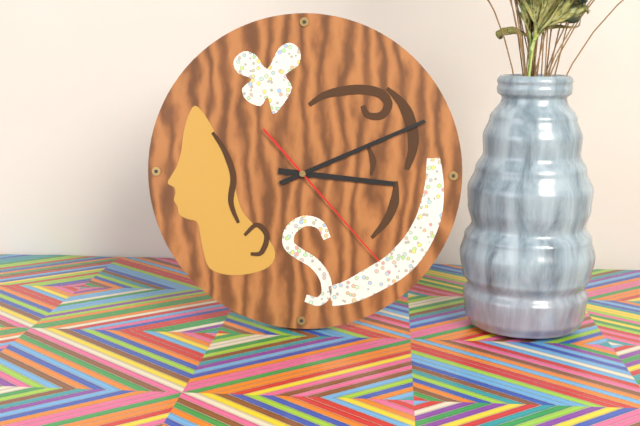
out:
{"hour": 3, "minute": 11, "second": 23}
